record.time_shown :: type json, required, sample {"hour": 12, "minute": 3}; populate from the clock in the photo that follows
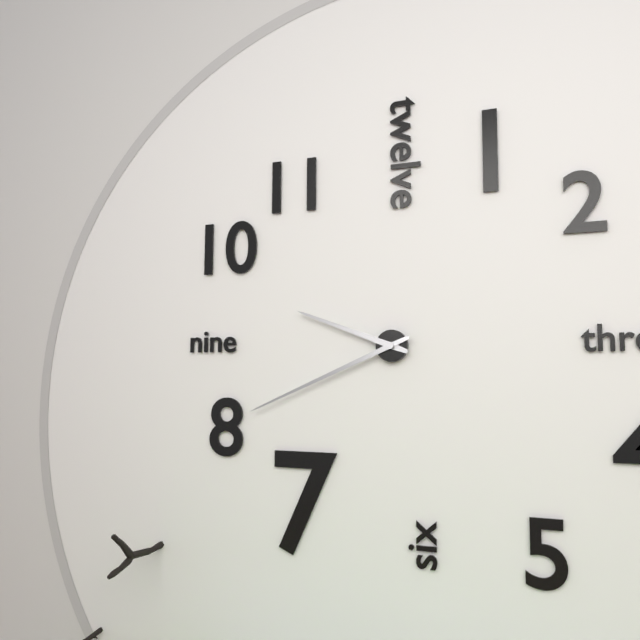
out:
{"hour": 9, "minute": 41}
